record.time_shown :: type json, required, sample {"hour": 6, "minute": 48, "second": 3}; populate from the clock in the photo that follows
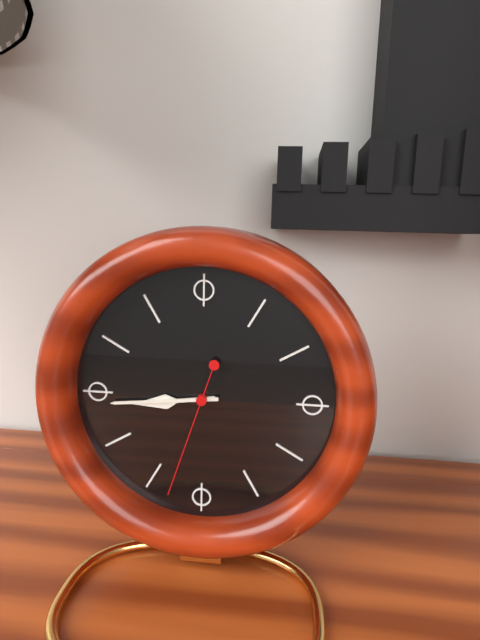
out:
{"hour": 8, "minute": 44, "second": 33}
